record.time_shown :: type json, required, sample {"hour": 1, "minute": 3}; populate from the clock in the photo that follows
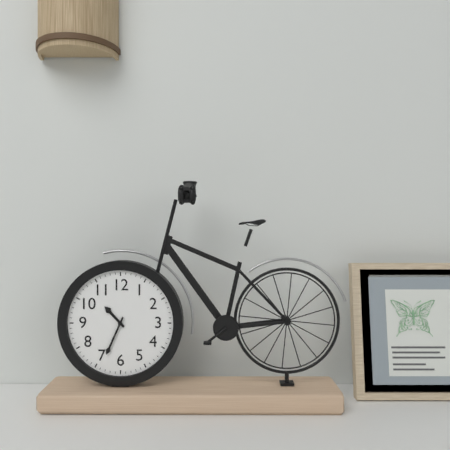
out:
{"hour": 10, "minute": 34}
